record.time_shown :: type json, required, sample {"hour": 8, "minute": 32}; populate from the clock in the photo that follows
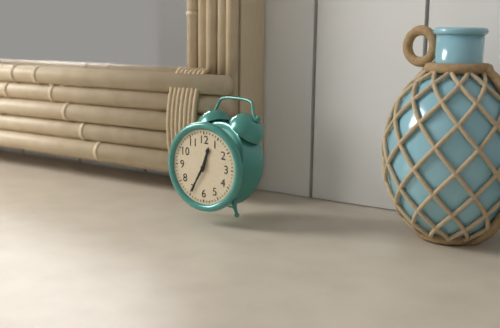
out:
{"hour": 12, "minute": 35}
